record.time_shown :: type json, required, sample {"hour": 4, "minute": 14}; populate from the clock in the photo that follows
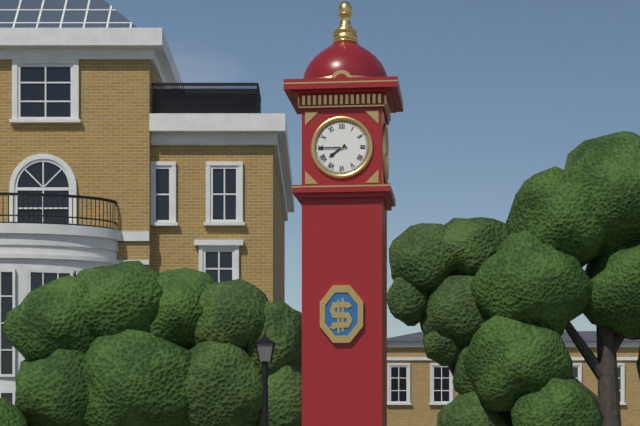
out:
{"hour": 7, "minute": 45}
